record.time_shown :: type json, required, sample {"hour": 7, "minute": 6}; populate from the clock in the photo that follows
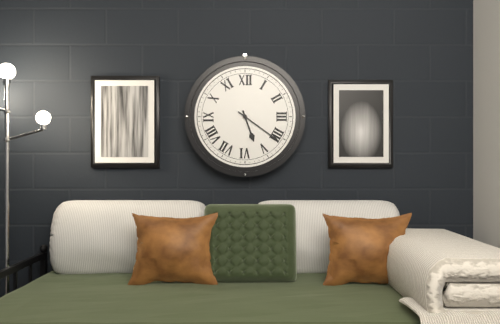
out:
{"hour": 5, "minute": 21}
